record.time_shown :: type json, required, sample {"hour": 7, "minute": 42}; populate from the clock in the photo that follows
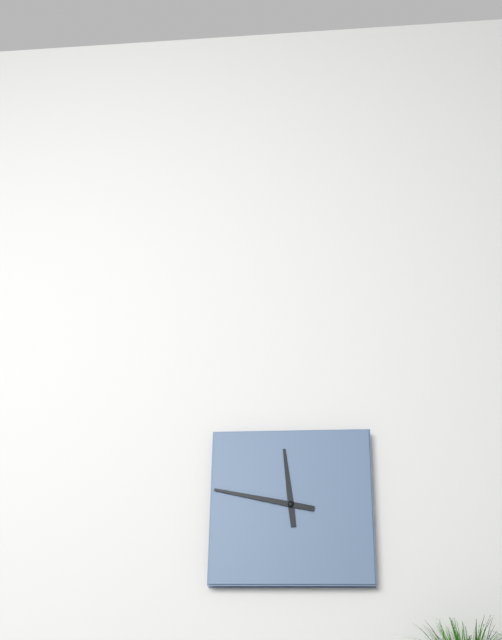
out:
{"hour": 11, "minute": 47}
